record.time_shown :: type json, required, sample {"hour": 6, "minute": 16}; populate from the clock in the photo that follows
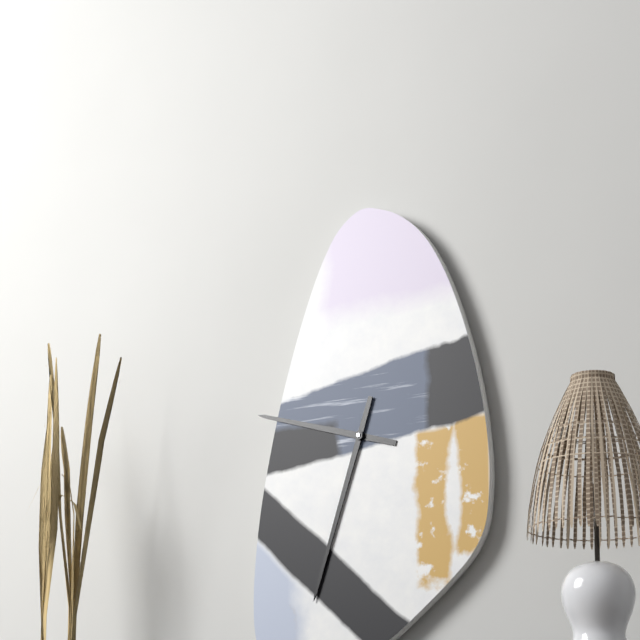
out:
{"hour": 9, "minute": 33}
